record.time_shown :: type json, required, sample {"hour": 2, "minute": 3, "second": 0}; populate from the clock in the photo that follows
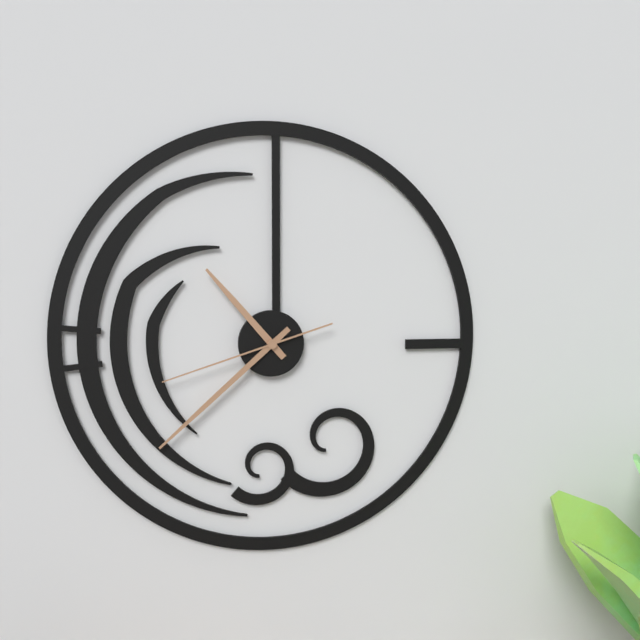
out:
{"hour": 10, "minute": 38, "second": 42}
